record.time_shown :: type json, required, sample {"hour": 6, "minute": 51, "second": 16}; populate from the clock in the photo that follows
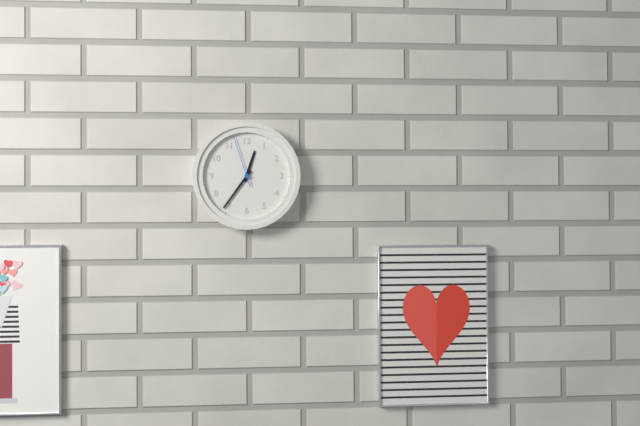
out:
{"hour": 12, "minute": 36, "second": 57}
